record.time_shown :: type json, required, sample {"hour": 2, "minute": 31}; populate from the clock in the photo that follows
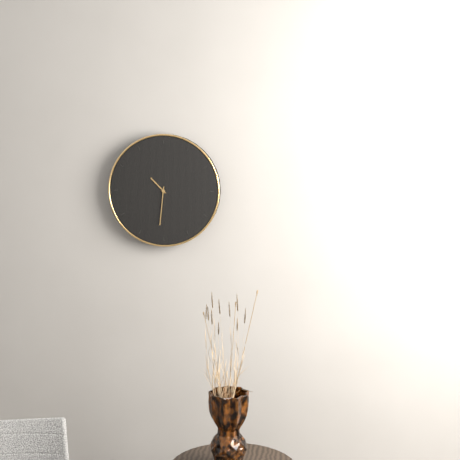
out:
{"hour": 10, "minute": 31}
